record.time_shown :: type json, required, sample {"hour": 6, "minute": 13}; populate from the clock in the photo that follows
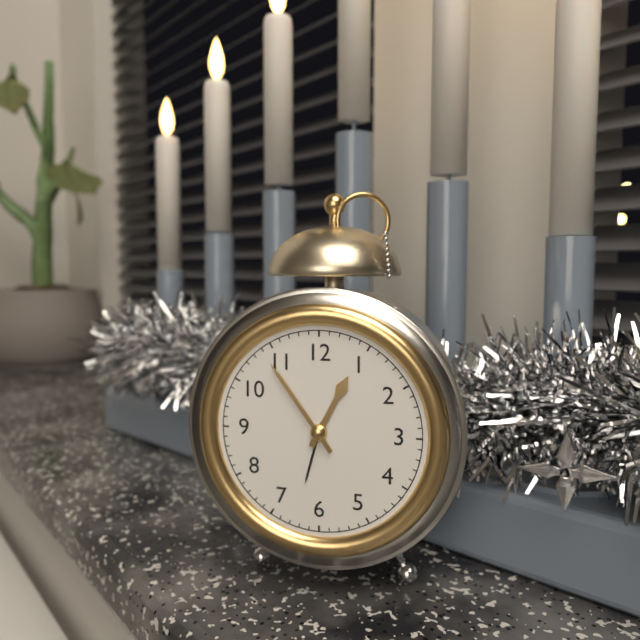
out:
{"hour": 12, "minute": 54}
